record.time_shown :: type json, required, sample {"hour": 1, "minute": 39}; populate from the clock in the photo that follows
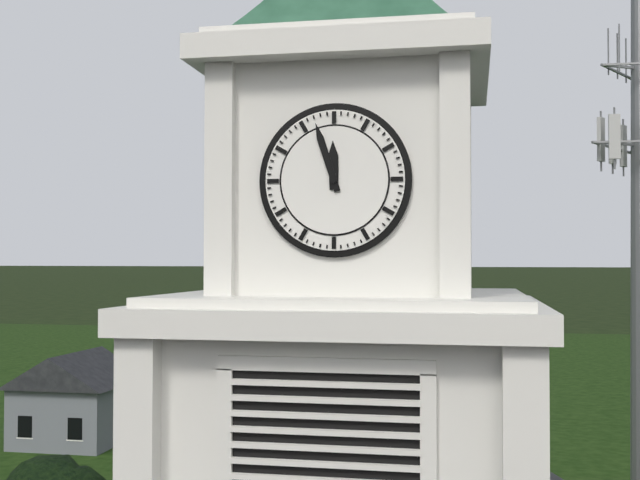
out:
{"hour": 11, "minute": 57}
